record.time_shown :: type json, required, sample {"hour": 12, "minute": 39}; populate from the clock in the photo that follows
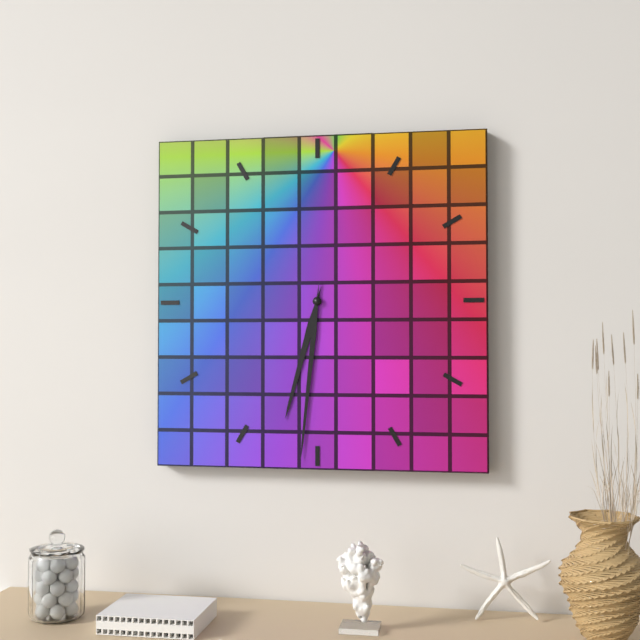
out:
{"hour": 6, "minute": 31}
